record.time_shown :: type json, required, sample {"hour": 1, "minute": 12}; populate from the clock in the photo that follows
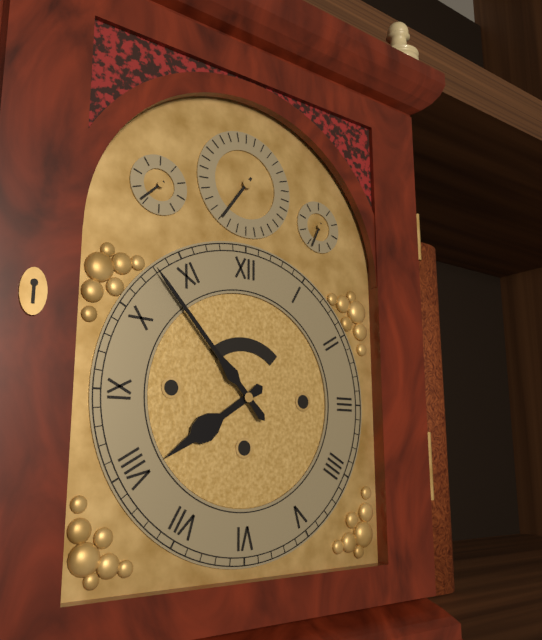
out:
{"hour": 7, "minute": 53}
